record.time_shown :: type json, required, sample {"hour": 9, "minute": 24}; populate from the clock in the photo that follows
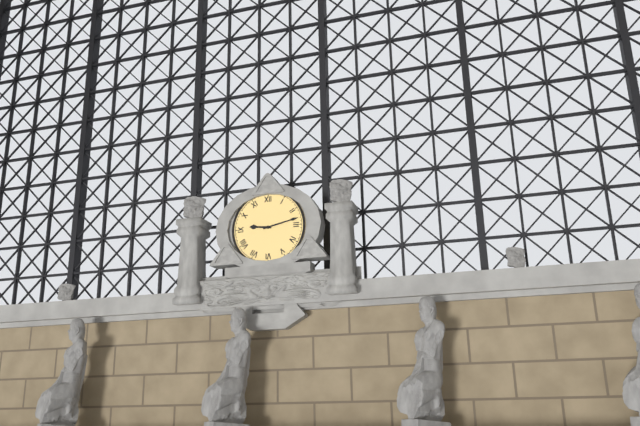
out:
{"hour": 9, "minute": 13}
